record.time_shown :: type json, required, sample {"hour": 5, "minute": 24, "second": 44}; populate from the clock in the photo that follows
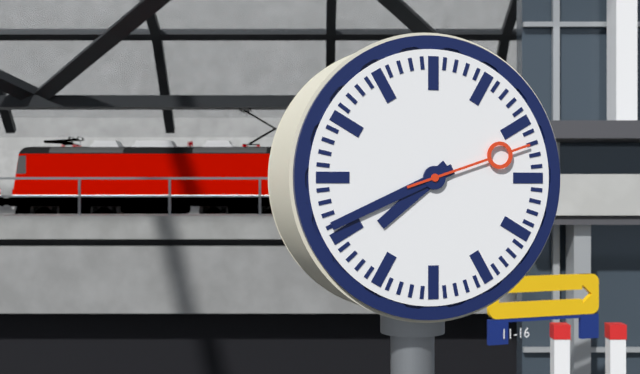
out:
{"hour": 7, "minute": 41, "second": 12}
